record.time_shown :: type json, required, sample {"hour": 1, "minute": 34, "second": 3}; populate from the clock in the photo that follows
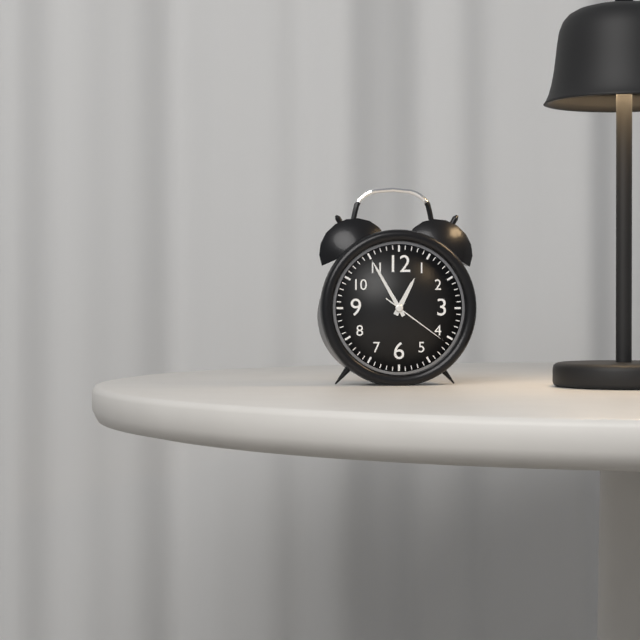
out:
{"hour": 12, "minute": 55, "second": 21}
